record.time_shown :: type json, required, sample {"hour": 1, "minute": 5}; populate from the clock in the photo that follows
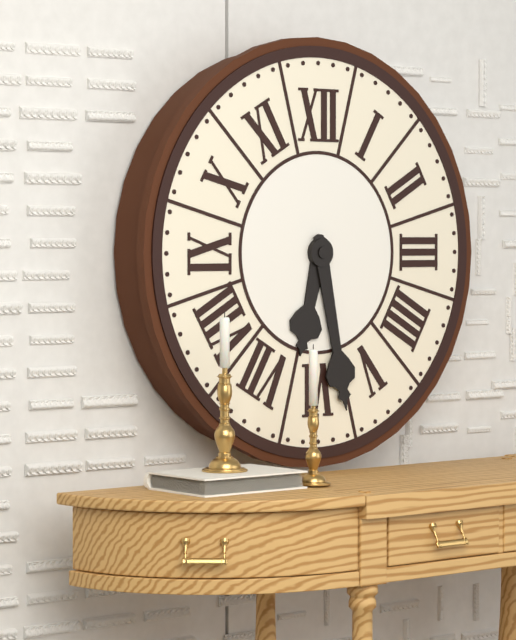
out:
{"hour": 6, "minute": 28}
